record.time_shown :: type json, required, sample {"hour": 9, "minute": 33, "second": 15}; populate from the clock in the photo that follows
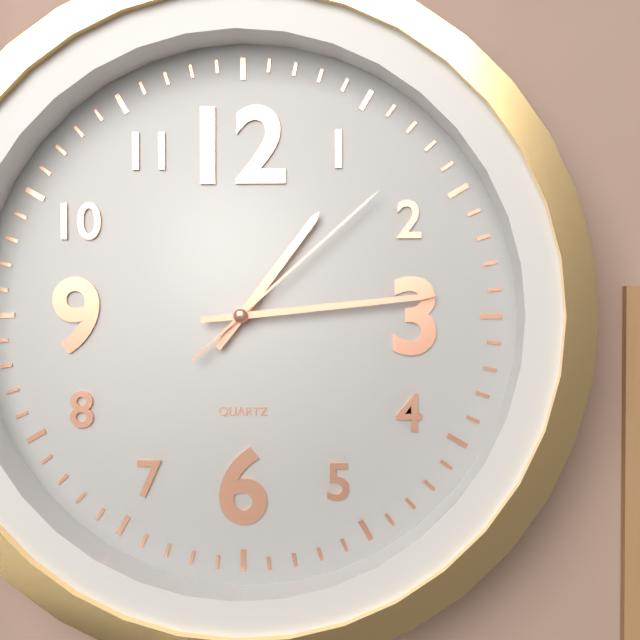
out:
{"hour": 1, "minute": 14, "second": 8}
